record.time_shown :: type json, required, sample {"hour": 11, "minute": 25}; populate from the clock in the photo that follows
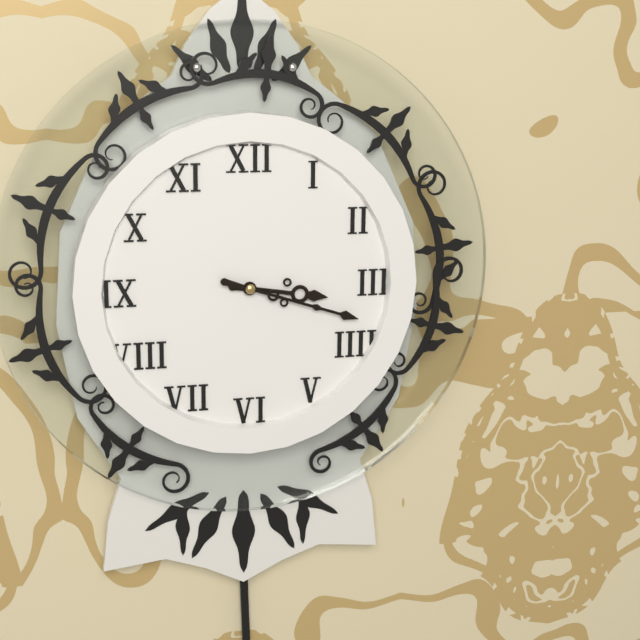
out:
{"hour": 3, "minute": 18}
